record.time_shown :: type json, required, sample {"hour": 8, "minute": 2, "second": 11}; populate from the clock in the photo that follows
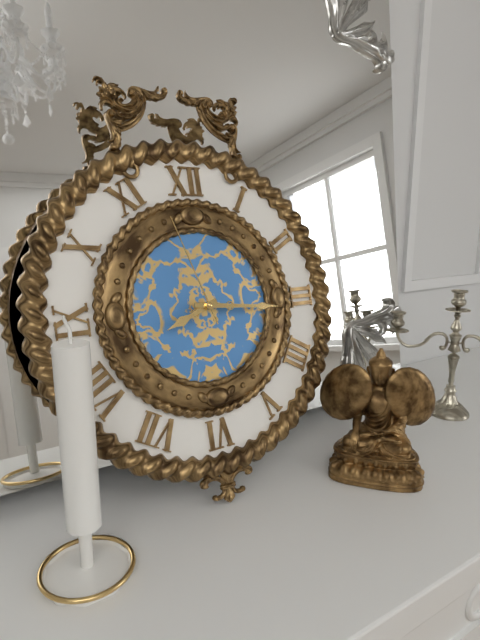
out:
{"hour": 8, "minute": 16, "second": 57}
